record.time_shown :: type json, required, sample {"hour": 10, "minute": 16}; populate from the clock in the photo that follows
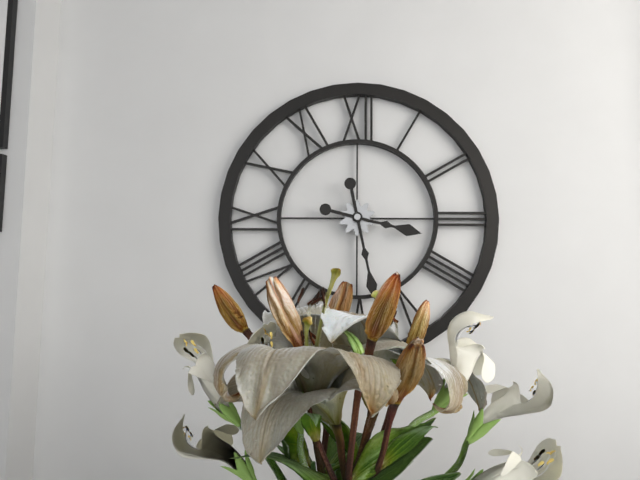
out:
{"hour": 3, "minute": 28}
